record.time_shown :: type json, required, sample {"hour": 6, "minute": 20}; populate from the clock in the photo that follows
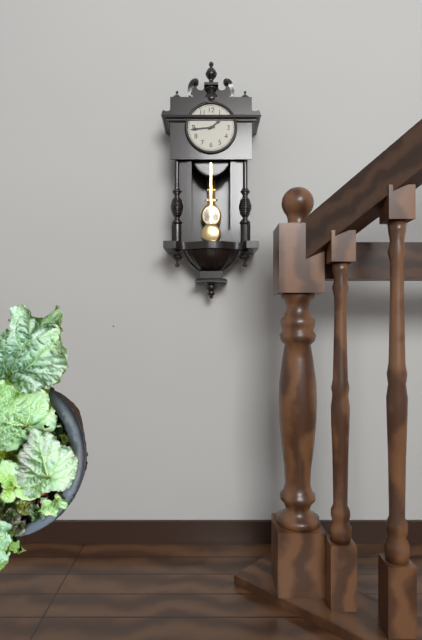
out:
{"hour": 1, "minute": 44}
